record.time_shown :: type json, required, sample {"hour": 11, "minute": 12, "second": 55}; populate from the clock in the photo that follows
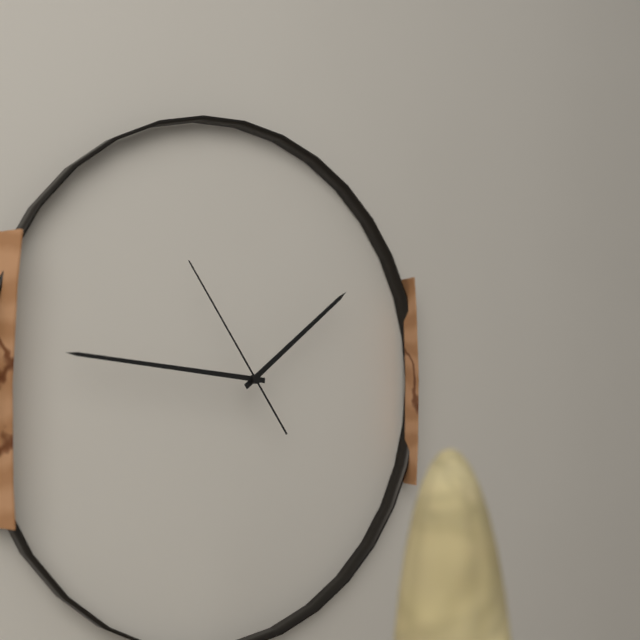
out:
{"hour": 1, "minute": 46, "second": 54}
